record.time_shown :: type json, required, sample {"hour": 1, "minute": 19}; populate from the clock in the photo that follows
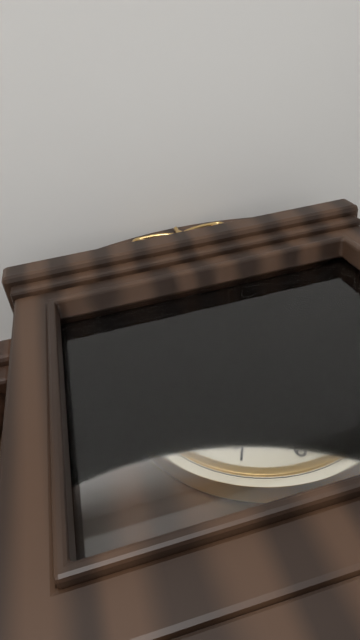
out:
{"hour": 9, "minute": 40}
